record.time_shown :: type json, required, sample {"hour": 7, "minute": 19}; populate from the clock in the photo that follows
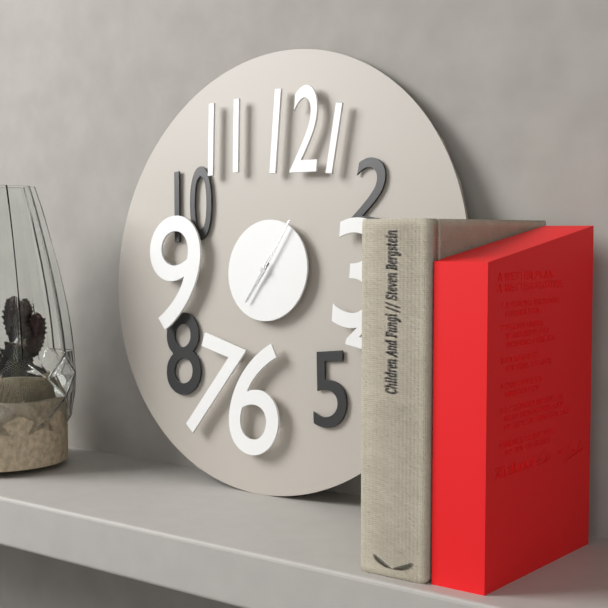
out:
{"hour": 7, "minute": 5}
